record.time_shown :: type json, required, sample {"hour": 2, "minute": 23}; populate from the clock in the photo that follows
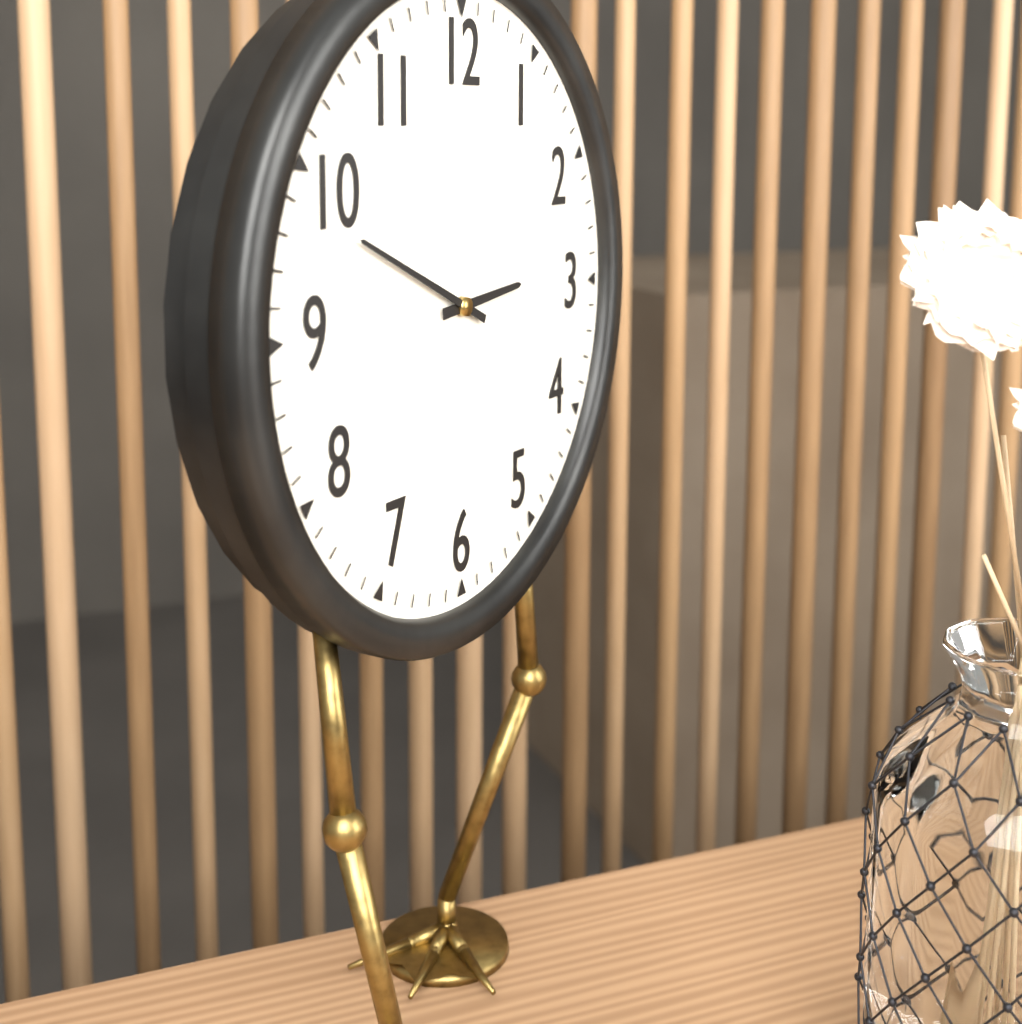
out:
{"hour": 2, "minute": 49}
